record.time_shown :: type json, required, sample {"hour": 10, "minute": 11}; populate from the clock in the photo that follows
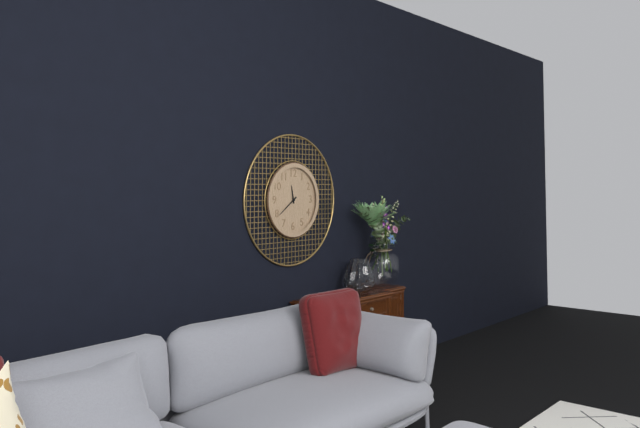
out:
{"hour": 11, "minute": 39}
